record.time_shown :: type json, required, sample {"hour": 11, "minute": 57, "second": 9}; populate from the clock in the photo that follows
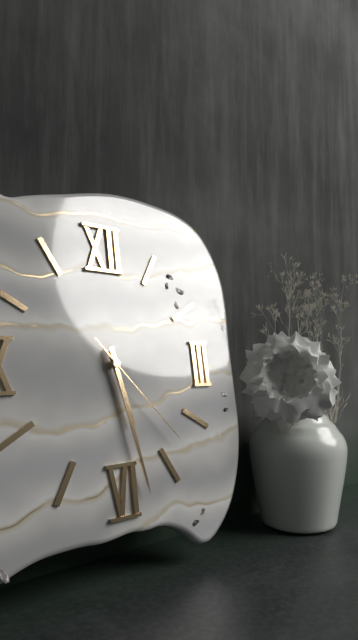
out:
{"hour": 5, "minute": 28, "second": 23}
